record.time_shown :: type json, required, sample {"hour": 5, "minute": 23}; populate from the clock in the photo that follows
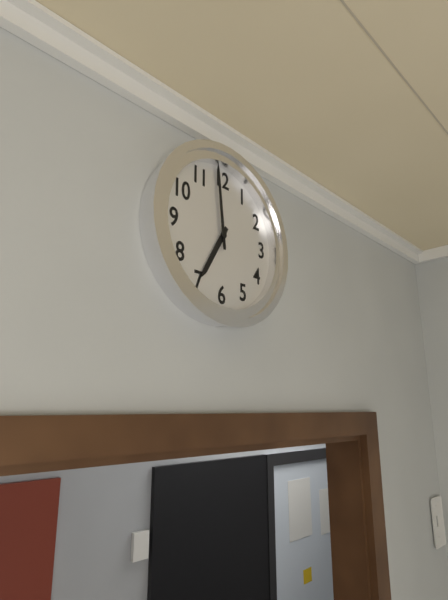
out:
{"hour": 6, "minute": 59}
